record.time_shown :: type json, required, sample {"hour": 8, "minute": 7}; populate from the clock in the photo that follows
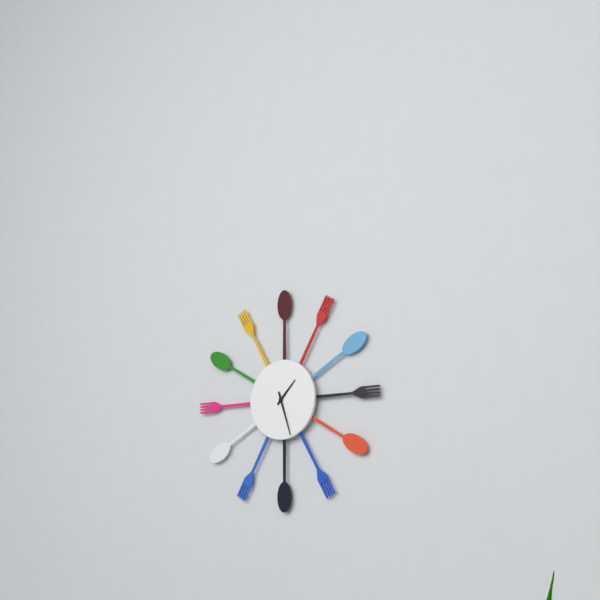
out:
{"hour": 1, "minute": 27}
